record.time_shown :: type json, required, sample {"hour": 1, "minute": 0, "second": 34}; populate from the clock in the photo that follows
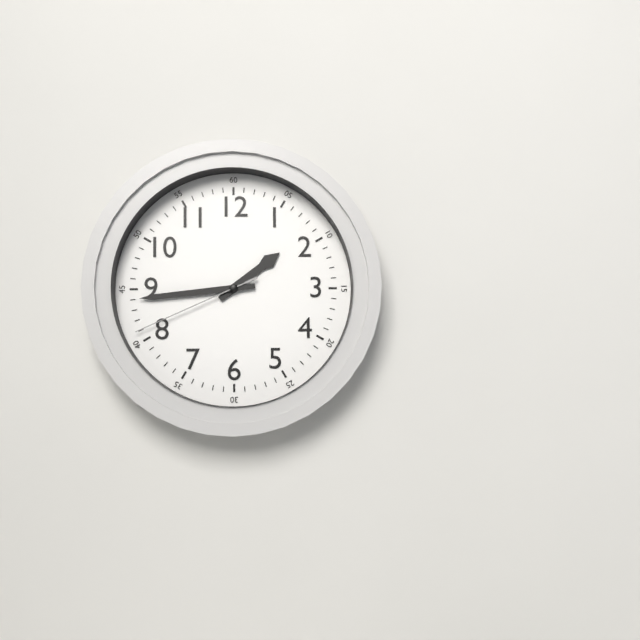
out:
{"hour": 1, "minute": 44, "second": 41}
